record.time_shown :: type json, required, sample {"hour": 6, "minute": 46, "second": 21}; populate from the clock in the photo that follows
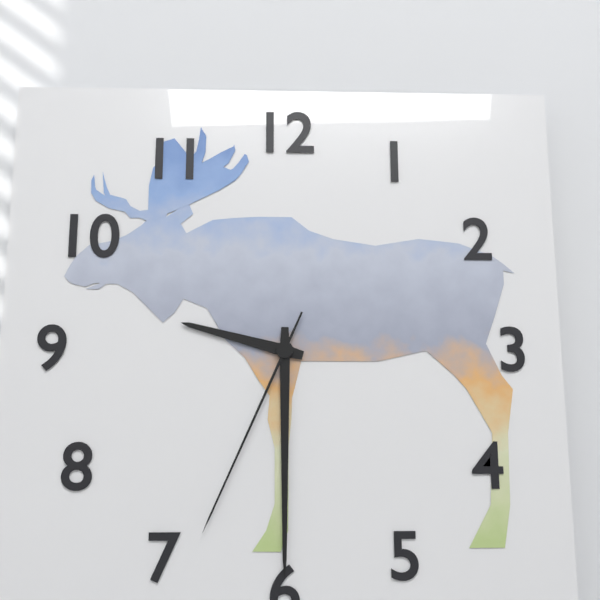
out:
{"hour": 9, "minute": 30, "second": 34}
